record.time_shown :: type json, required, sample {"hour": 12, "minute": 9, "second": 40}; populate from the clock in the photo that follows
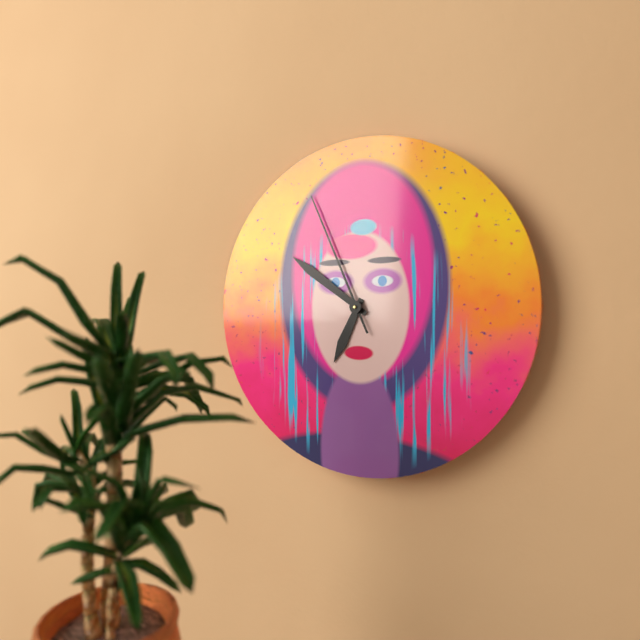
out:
{"hour": 6, "minute": 51, "second": 56}
